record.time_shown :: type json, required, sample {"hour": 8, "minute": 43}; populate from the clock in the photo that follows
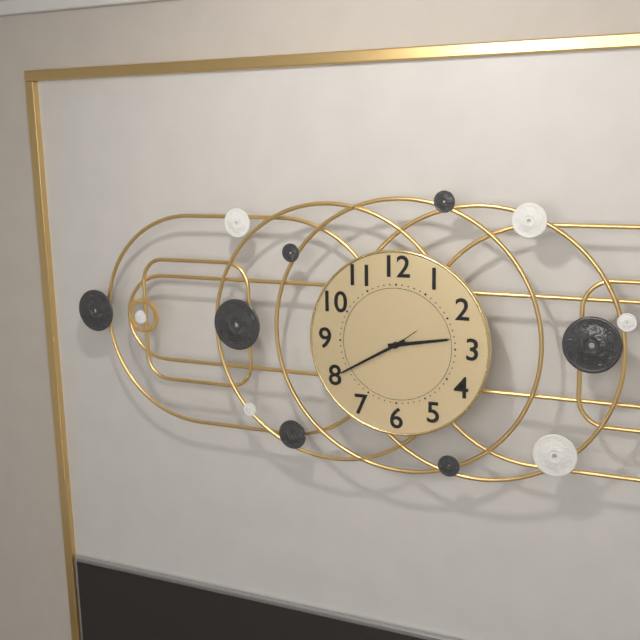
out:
{"hour": 2, "minute": 40}
